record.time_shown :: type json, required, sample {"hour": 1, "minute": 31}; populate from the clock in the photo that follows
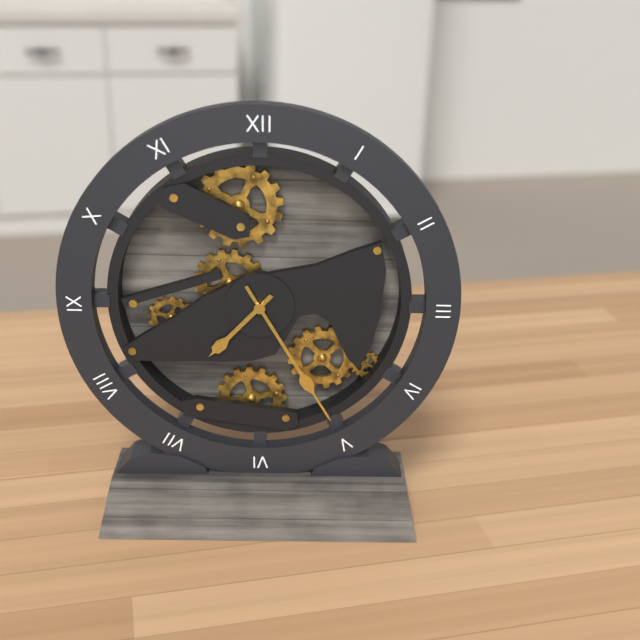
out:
{"hour": 7, "minute": 25}
